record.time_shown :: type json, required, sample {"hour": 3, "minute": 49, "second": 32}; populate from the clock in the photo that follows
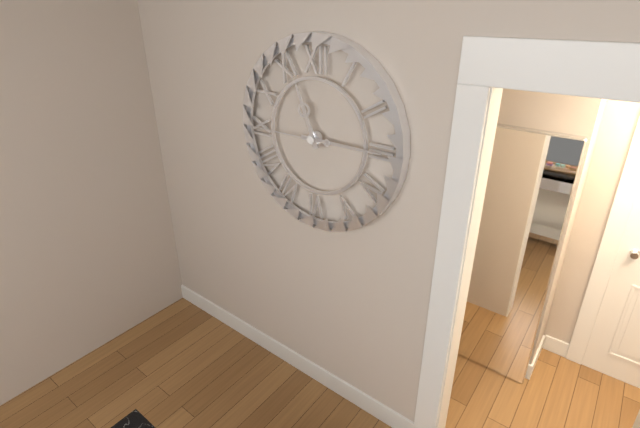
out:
{"hour": 11, "minute": 15, "second": 45}
